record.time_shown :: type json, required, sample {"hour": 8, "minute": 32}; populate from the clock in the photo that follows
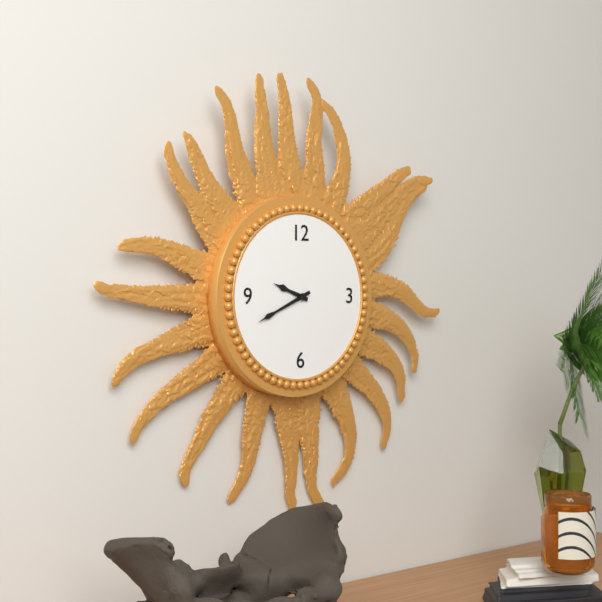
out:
{"hour": 9, "minute": 41}
